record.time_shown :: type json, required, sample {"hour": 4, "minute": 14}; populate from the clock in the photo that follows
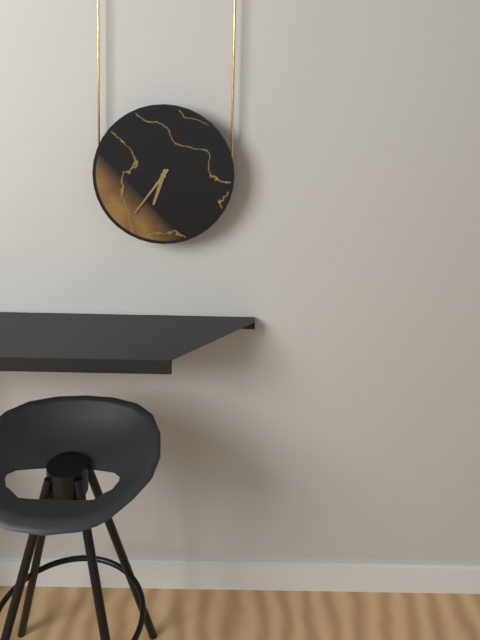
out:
{"hour": 6, "minute": 36}
